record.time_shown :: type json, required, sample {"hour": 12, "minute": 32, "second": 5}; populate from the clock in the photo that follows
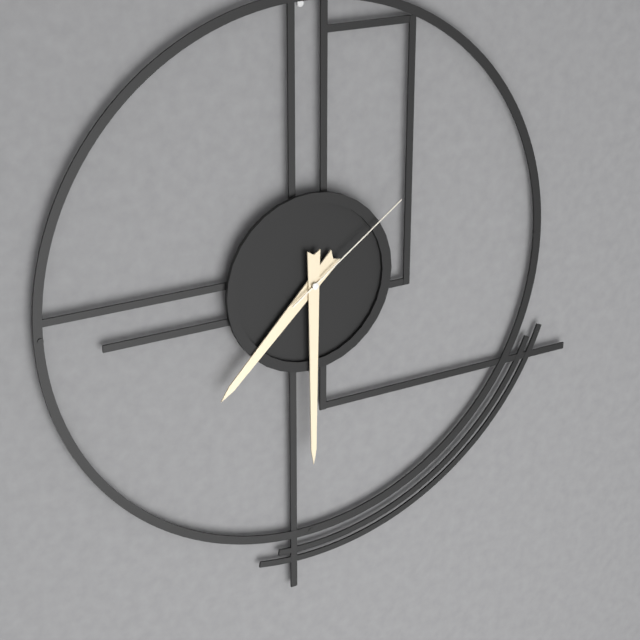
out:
{"hour": 7, "minute": 30, "second": 9}
